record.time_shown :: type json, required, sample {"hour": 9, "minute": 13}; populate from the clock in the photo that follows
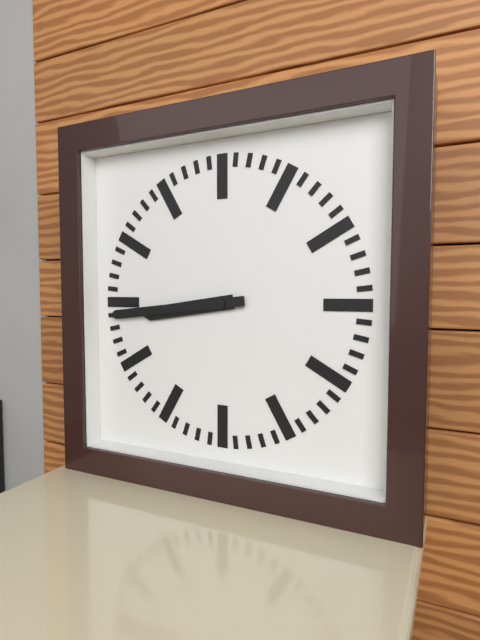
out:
{"hour": 8, "minute": 44}
